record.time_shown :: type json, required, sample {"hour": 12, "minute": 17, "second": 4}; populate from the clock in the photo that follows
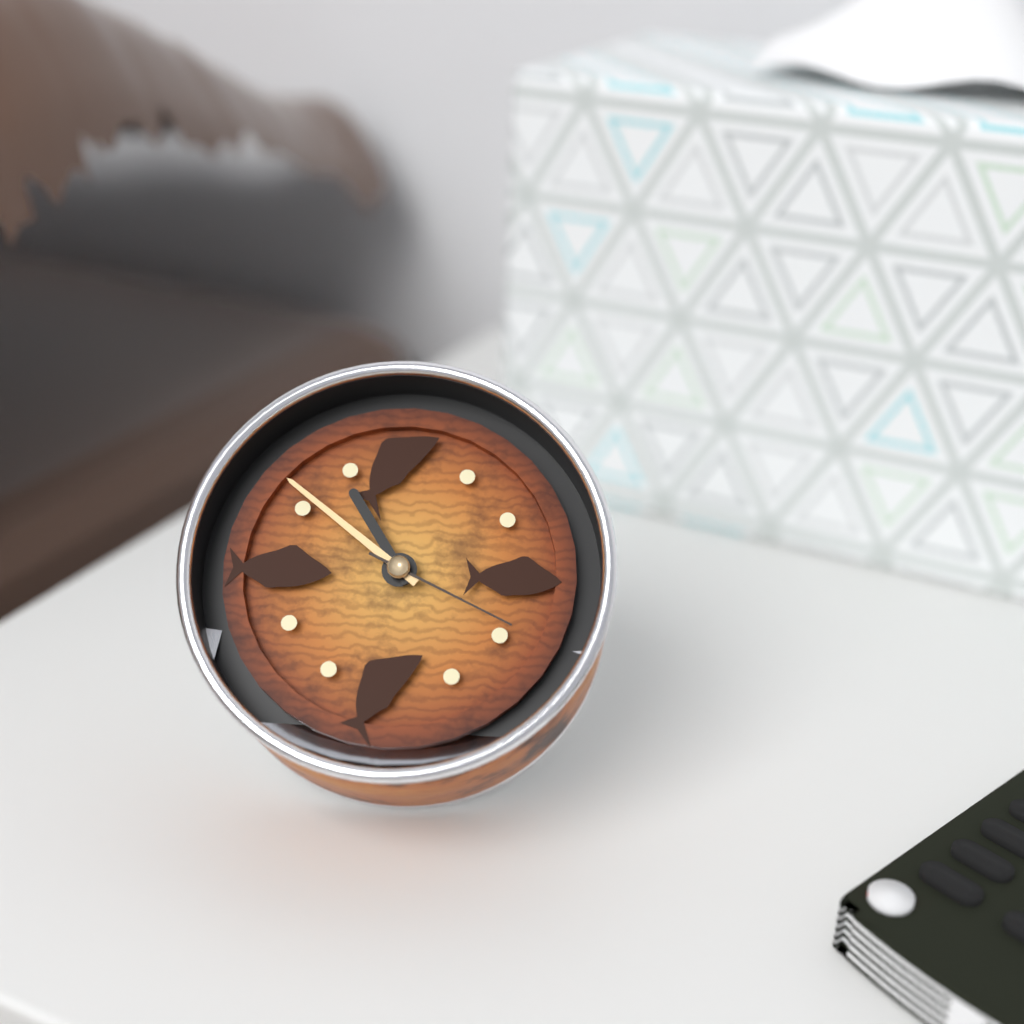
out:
{"hour": 10, "minute": 51, "second": 19}
